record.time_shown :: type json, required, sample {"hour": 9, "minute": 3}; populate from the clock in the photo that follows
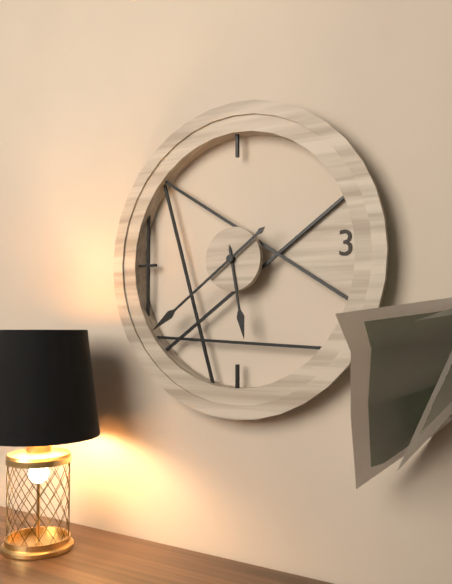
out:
{"hour": 5, "minute": 39}
